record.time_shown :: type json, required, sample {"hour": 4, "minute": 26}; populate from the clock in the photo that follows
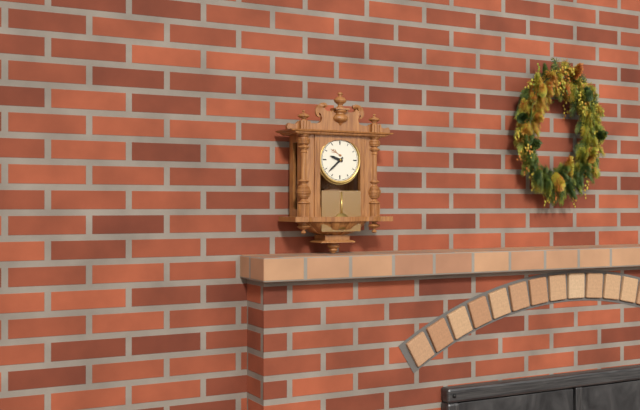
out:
{"hour": 9, "minute": 38}
